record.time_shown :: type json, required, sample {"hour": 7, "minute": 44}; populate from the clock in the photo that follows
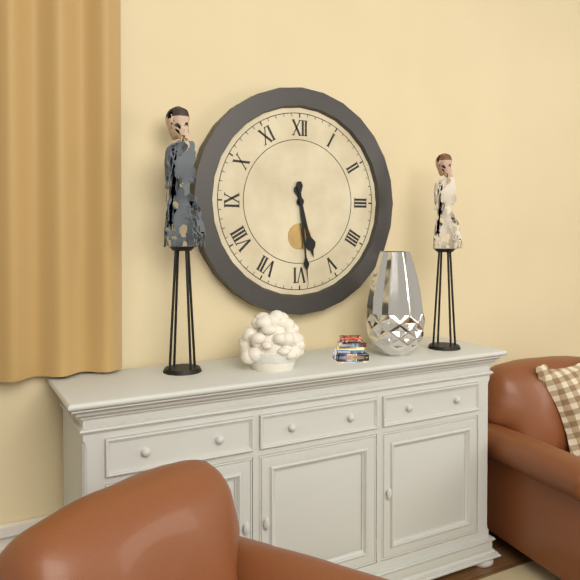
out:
{"hour": 5, "minute": 29}
